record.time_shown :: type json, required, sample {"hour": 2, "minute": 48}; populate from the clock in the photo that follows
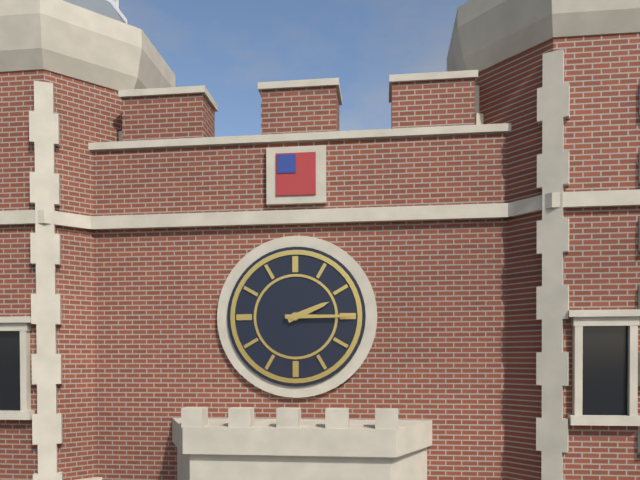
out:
{"hour": 2, "minute": 15}
